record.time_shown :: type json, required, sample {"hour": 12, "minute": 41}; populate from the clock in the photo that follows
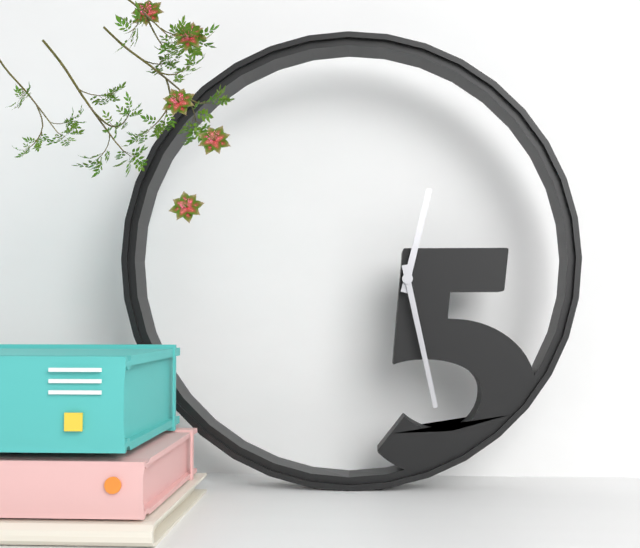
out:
{"hour": 12, "minute": 28}
